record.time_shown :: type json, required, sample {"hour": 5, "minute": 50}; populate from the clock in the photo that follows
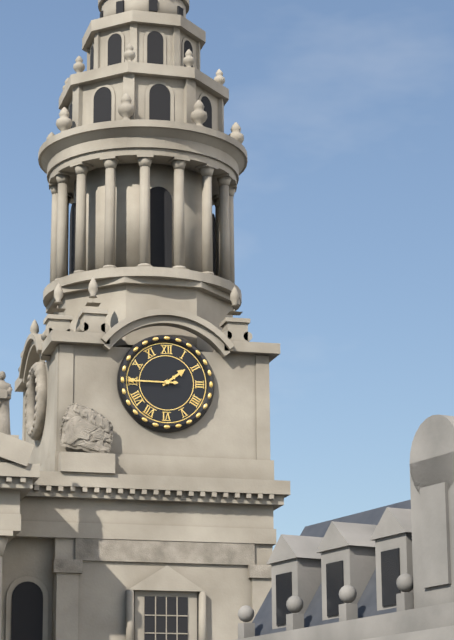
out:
{"hour": 1, "minute": 45}
